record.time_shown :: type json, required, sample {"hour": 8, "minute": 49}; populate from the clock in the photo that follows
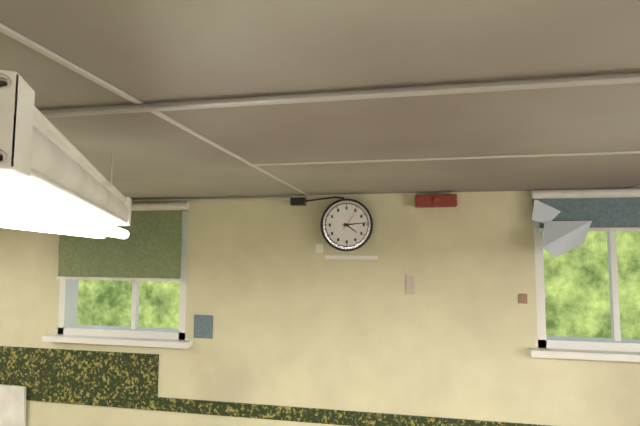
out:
{"hour": 4, "minute": 14}
